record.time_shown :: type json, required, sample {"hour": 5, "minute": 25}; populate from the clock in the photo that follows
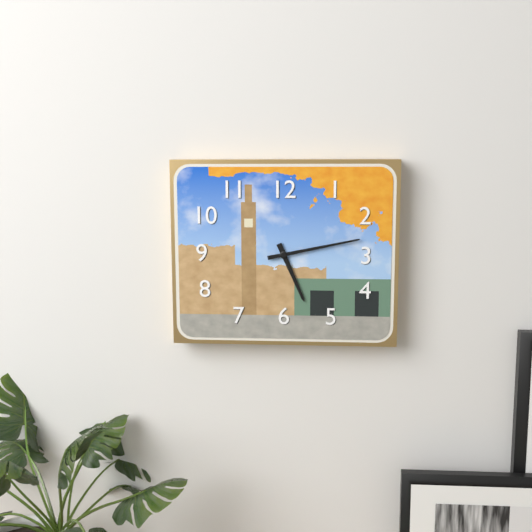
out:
{"hour": 5, "minute": 13}
